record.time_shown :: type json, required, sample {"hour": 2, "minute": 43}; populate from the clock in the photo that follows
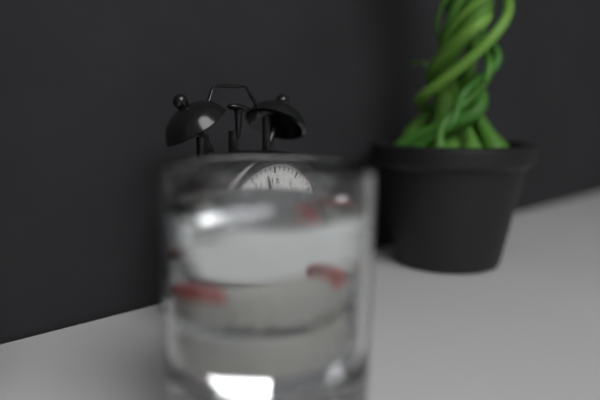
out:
{"hour": 10, "minute": 58}
